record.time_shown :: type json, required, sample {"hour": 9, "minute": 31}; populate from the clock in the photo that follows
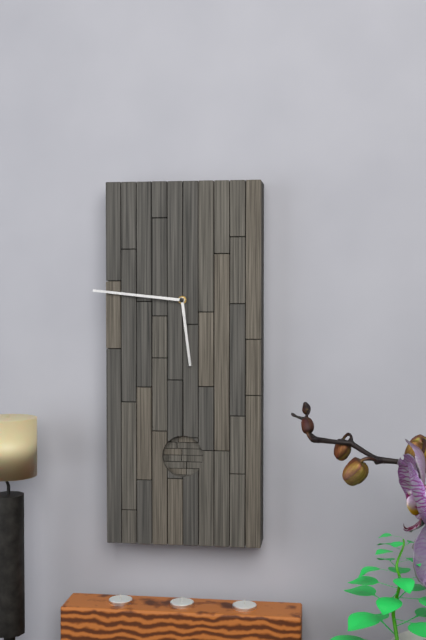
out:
{"hour": 5, "minute": 46}
